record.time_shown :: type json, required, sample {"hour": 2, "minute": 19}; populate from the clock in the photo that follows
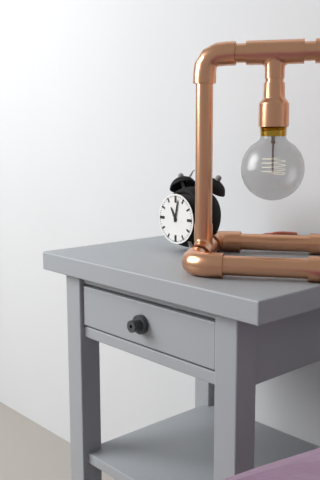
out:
{"hour": 11, "minute": 2}
